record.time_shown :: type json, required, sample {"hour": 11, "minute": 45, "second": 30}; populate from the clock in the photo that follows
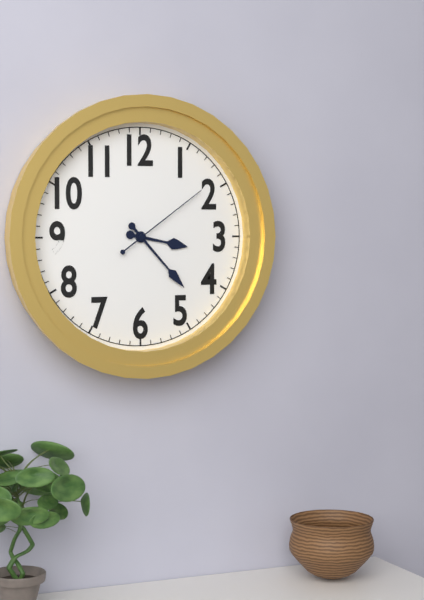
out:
{"hour": 3, "minute": 23, "second": 9}
